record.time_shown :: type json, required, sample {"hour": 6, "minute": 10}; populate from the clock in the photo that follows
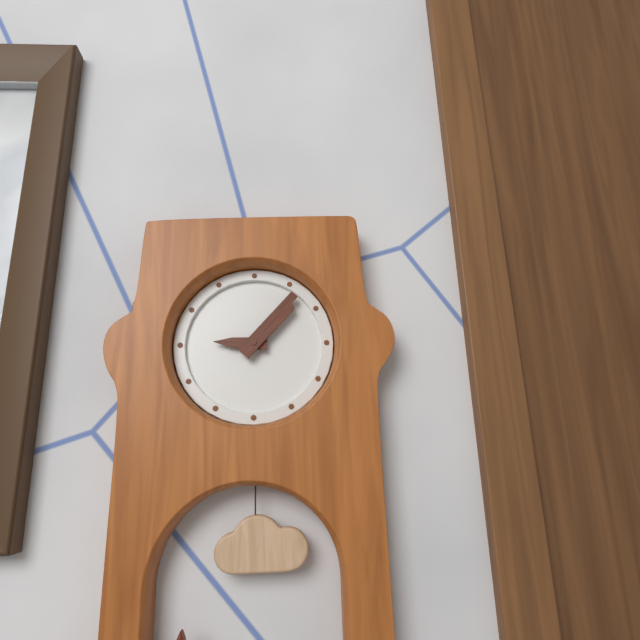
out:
{"hour": 9, "minute": 7}
